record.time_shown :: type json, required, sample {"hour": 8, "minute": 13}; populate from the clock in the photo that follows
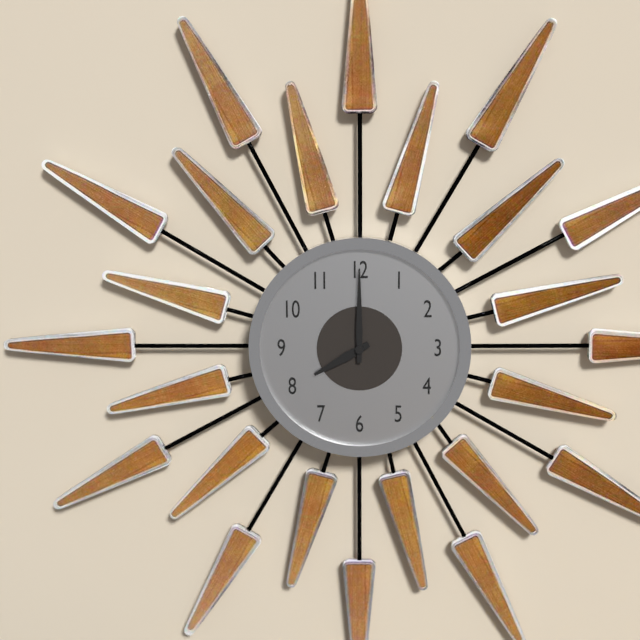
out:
{"hour": 8, "minute": 0}
